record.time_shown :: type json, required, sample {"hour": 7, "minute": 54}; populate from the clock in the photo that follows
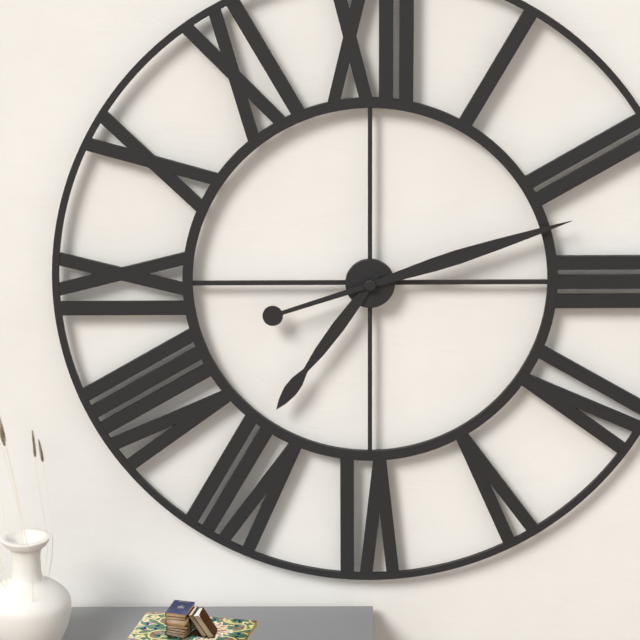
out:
{"hour": 7, "minute": 12}
